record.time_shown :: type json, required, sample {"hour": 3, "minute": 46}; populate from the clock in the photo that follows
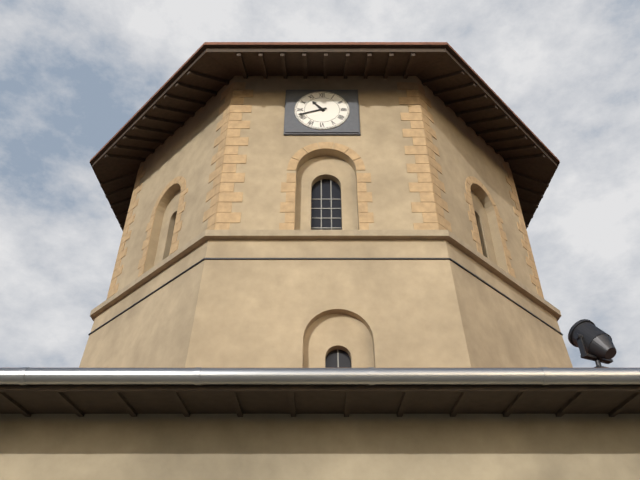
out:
{"hour": 10, "minute": 42}
